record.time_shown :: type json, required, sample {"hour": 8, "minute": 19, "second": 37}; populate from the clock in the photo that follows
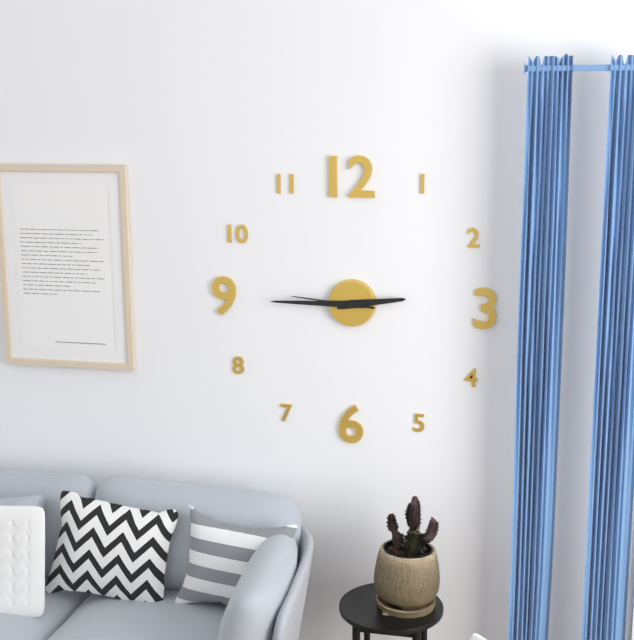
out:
{"hour": 2, "minute": 45, "second": 46}
